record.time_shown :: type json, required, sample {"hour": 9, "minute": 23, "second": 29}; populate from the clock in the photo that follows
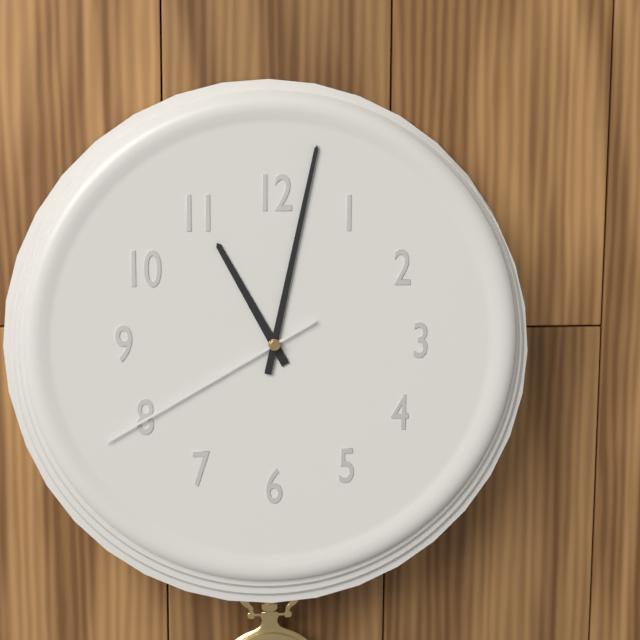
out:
{"hour": 11, "minute": 2, "second": 40}
